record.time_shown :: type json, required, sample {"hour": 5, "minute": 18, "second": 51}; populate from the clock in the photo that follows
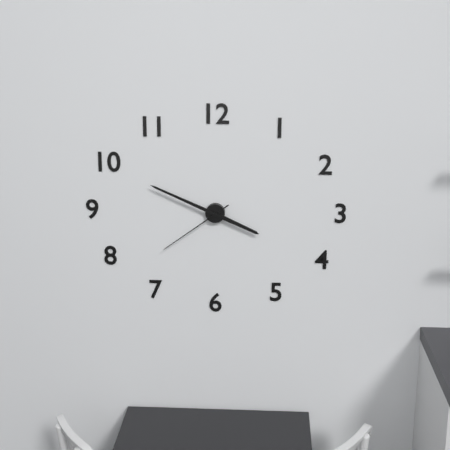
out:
{"hour": 3, "minute": 49, "second": 39}
